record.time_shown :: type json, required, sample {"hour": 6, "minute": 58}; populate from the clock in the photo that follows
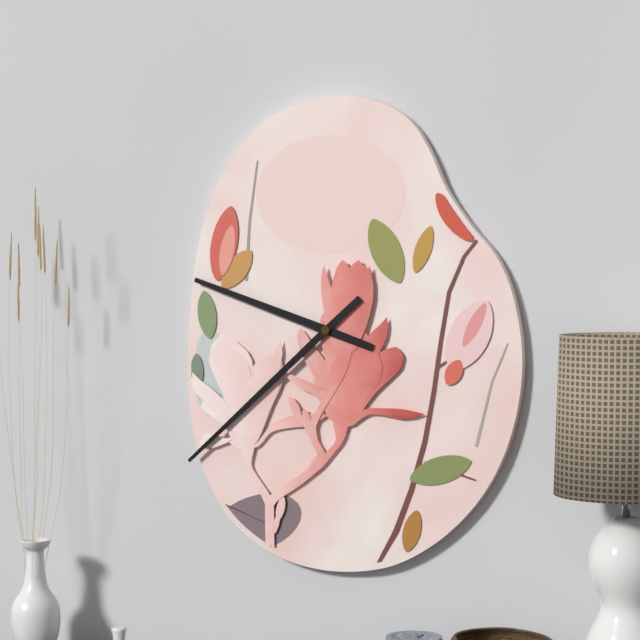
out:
{"hour": 9, "minute": 38}
